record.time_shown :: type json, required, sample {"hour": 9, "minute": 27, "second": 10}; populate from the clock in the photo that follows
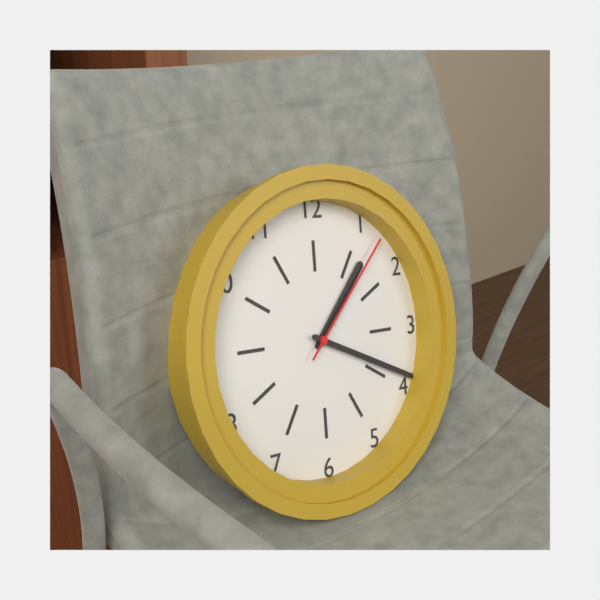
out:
{"hour": 1, "minute": 19, "second": 7}
